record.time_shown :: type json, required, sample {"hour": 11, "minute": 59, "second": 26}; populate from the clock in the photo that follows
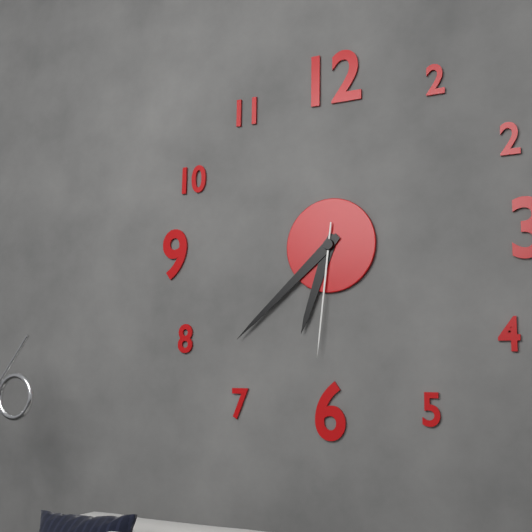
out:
{"hour": 6, "minute": 38, "second": 31}
